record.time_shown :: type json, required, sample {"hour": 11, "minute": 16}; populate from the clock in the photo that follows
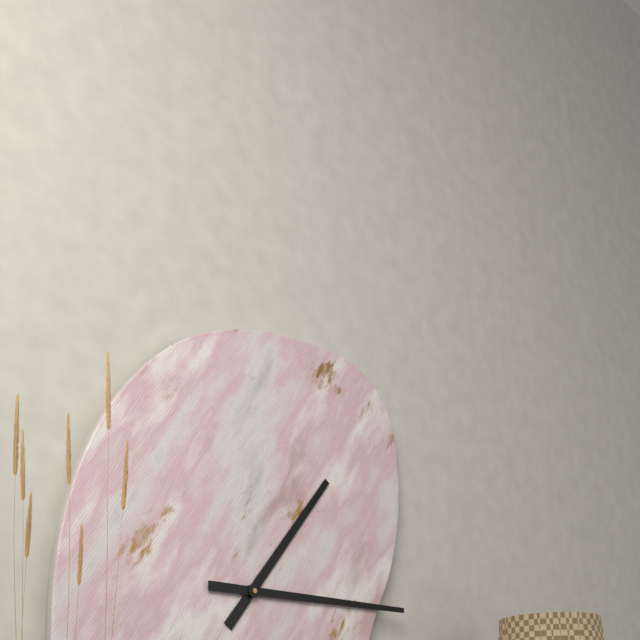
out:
{"hour": 1, "minute": 15}
